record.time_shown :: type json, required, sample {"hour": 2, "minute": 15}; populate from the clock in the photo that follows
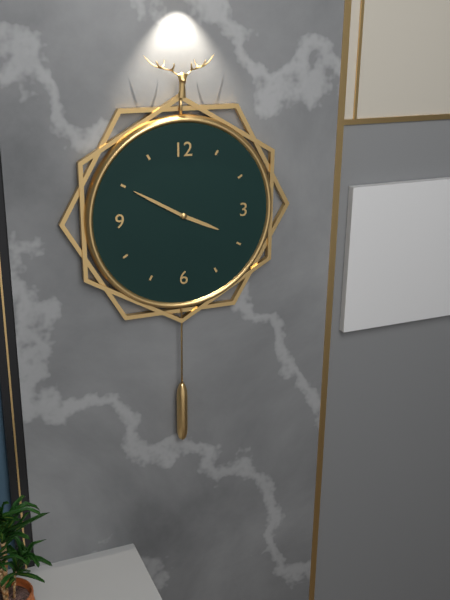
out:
{"hour": 3, "minute": 50}
